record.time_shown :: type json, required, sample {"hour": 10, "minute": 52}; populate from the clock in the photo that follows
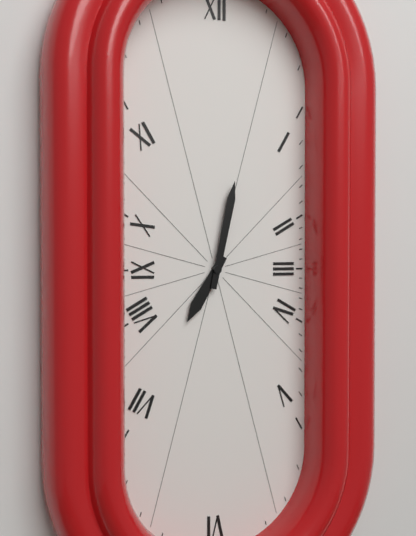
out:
{"hour": 7, "minute": 2}
